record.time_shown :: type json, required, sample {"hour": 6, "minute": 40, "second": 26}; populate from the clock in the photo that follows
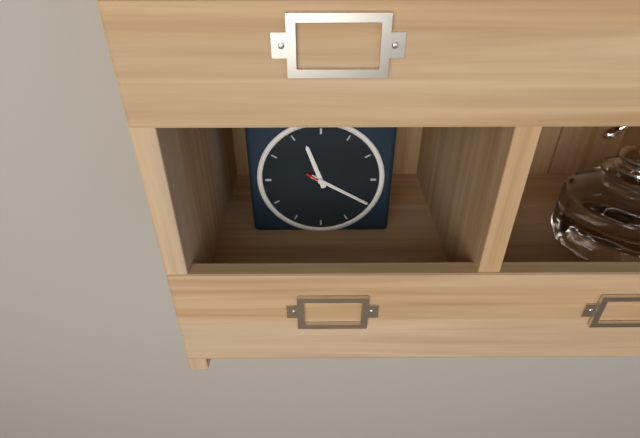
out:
{"hour": 11, "minute": 20, "second": 20}
